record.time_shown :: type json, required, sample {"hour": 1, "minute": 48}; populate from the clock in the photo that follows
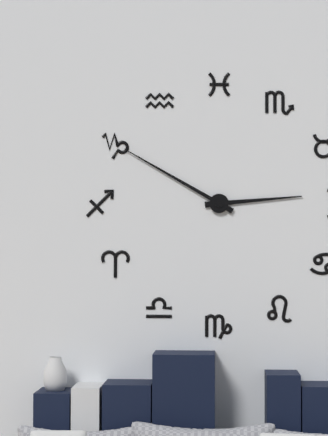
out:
{"hour": 2, "minute": 50}
